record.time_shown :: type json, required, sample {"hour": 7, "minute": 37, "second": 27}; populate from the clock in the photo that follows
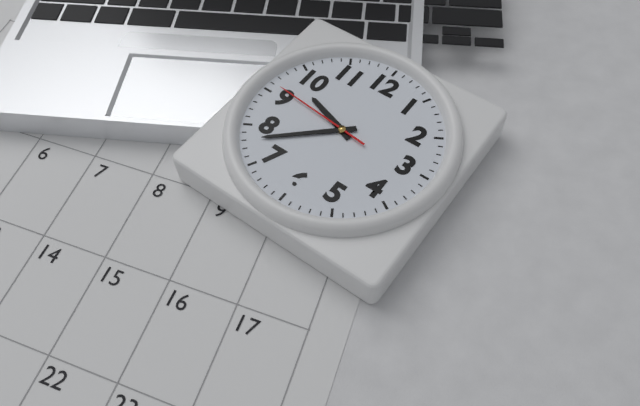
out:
{"hour": 9, "minute": 38, "second": 46}
